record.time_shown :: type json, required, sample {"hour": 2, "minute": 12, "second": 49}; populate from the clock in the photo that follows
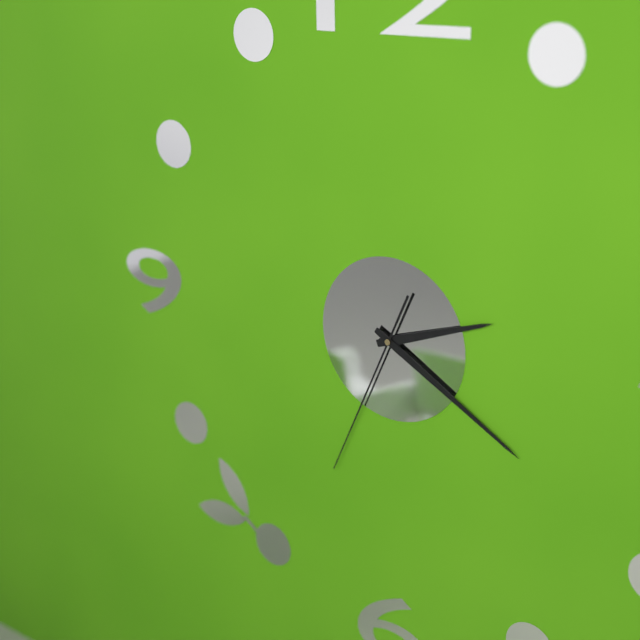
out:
{"hour": 2, "minute": 20, "second": 34}
